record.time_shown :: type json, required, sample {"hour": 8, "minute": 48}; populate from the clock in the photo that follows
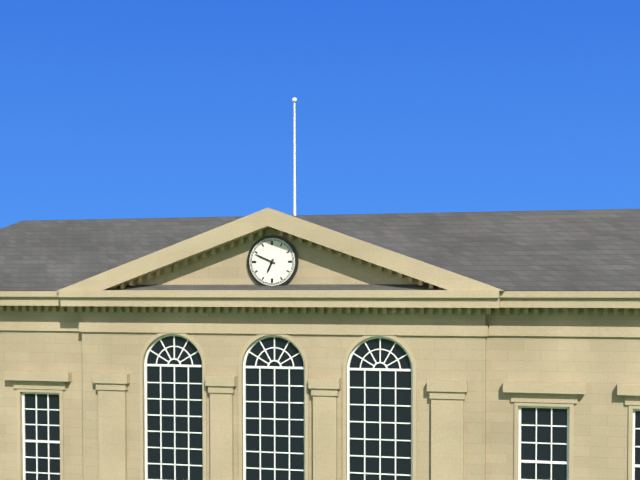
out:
{"hour": 6, "minute": 49}
